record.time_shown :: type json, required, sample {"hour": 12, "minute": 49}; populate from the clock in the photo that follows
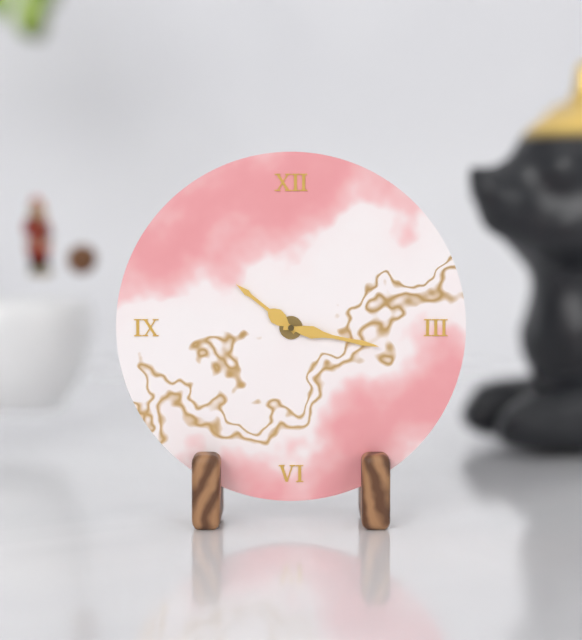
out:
{"hour": 10, "minute": 17}
